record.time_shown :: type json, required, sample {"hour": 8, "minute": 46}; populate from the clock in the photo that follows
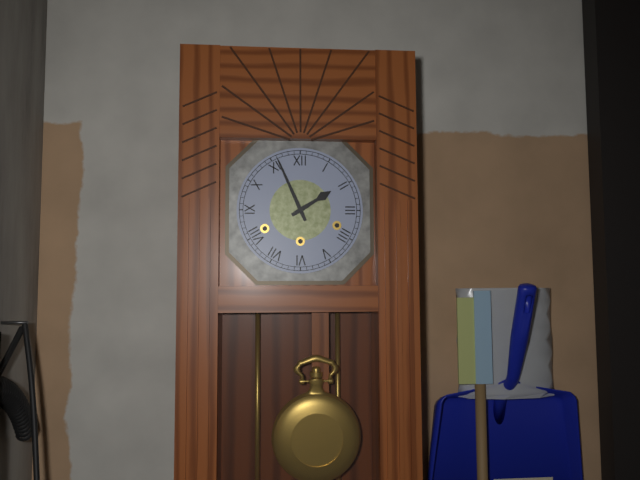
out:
{"hour": 1, "minute": 56}
